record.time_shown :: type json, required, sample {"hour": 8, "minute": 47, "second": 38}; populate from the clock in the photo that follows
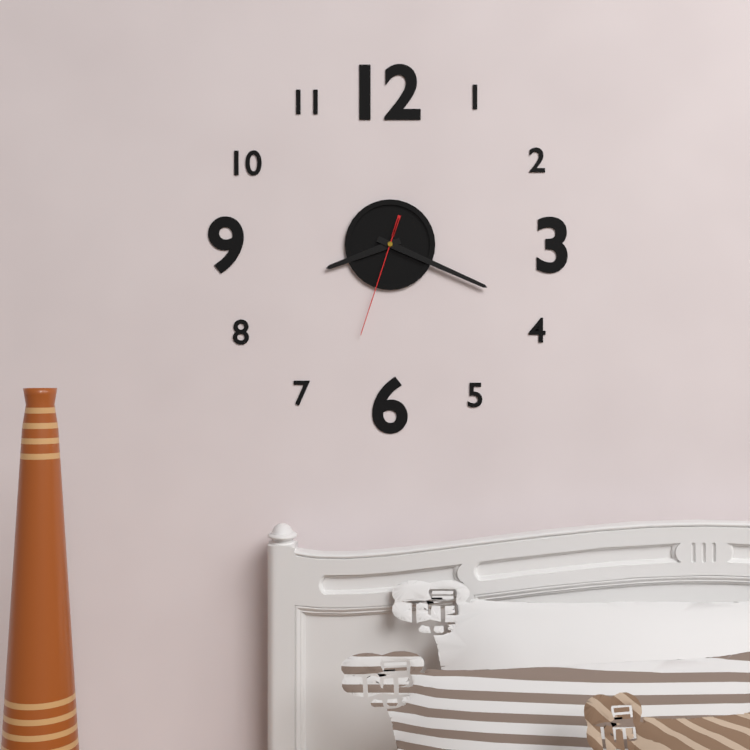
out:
{"hour": 8, "minute": 19, "second": 33}
